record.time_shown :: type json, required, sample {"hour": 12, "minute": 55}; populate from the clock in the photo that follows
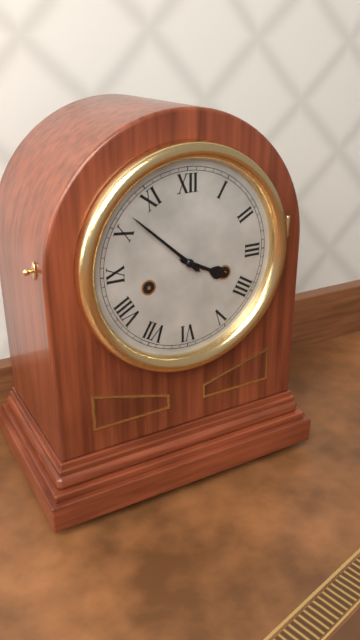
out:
{"hour": 3, "minute": 52}
